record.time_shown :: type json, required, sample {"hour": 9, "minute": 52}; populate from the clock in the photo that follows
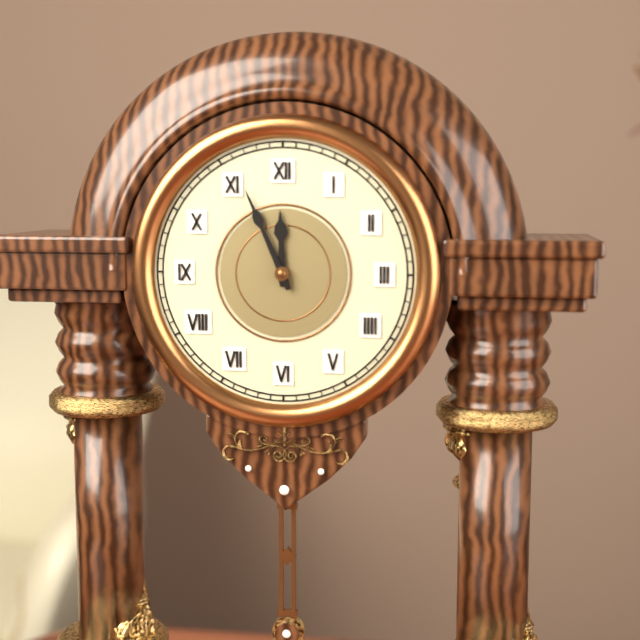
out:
{"hour": 11, "minute": 56}
